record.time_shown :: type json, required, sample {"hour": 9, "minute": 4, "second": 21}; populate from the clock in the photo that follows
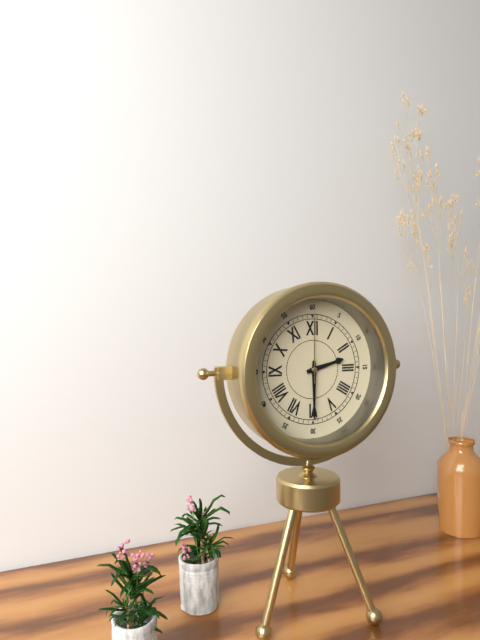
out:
{"hour": 2, "minute": 30, "second": 0}
